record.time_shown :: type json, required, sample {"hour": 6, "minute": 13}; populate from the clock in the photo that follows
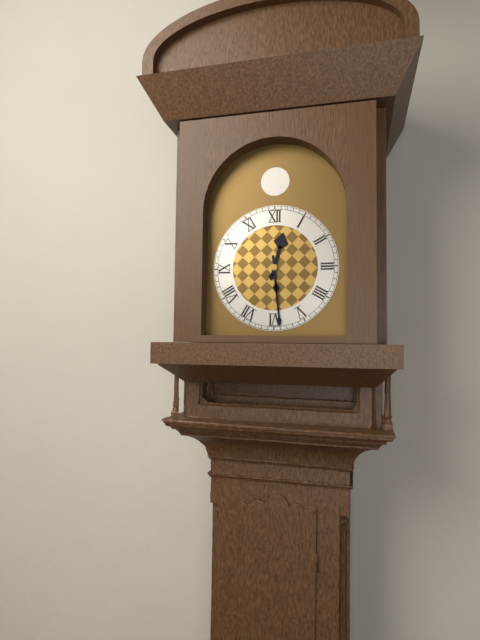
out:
{"hour": 12, "minute": 29}
